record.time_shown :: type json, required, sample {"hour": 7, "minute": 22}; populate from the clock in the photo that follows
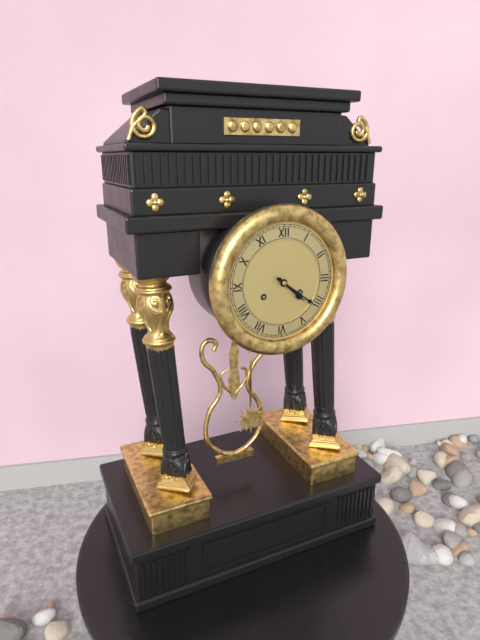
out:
{"hour": 4, "minute": 21}
